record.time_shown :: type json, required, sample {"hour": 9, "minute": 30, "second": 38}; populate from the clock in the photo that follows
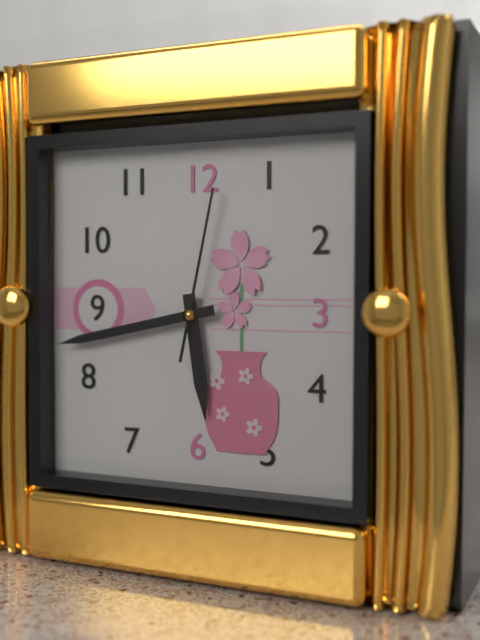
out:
{"hour": 5, "minute": 43, "second": 2}
